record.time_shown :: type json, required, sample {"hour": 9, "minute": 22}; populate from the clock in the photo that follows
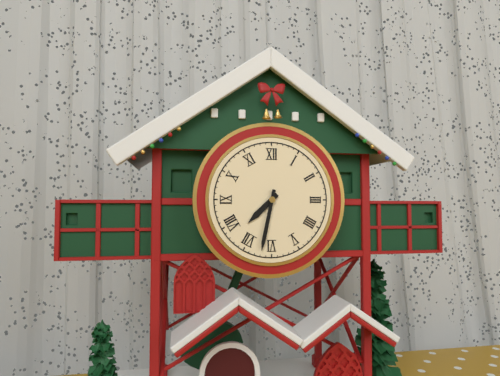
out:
{"hour": 7, "minute": 32}
